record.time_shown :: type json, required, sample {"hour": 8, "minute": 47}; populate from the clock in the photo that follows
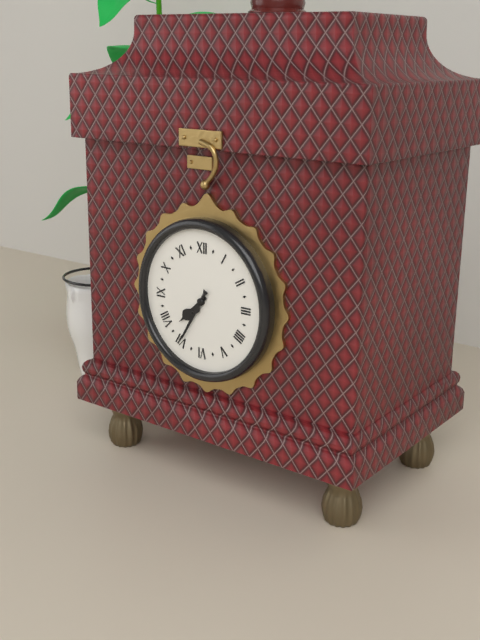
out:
{"hour": 7, "minute": 35}
